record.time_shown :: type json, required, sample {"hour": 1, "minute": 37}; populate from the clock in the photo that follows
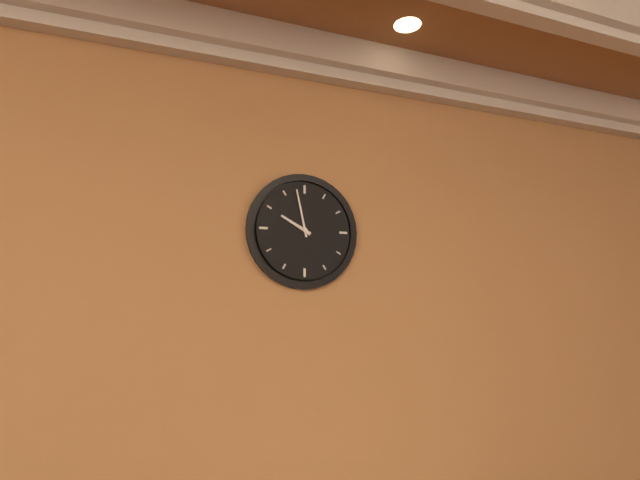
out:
{"hour": 9, "minute": 58}
